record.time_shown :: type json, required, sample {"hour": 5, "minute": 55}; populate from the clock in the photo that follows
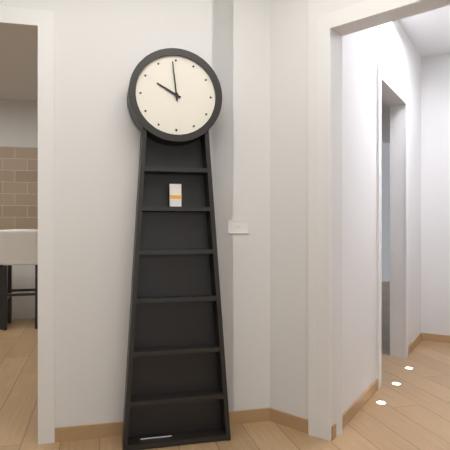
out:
{"hour": 9, "minute": 59}
